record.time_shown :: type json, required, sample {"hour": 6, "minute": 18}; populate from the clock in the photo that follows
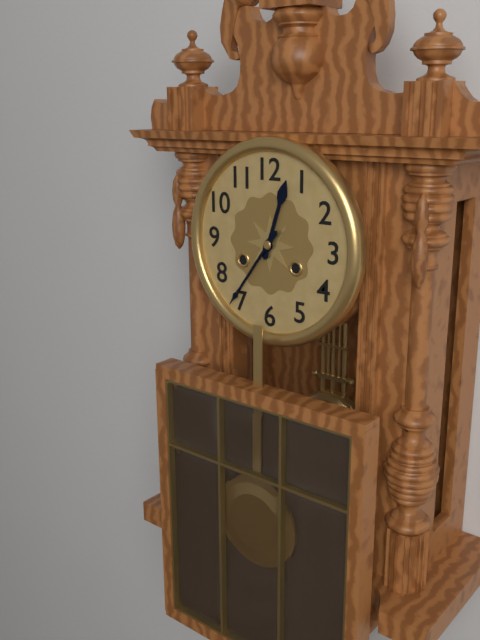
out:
{"hour": 12, "minute": 36}
